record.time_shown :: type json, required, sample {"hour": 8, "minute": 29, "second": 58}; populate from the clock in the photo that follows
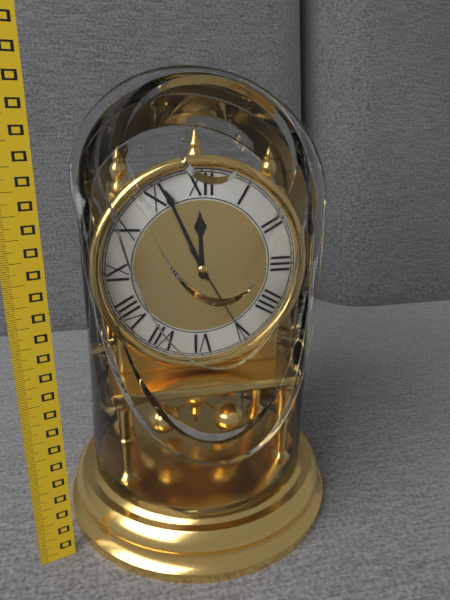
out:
{"hour": 11, "minute": 56, "second": 25}
